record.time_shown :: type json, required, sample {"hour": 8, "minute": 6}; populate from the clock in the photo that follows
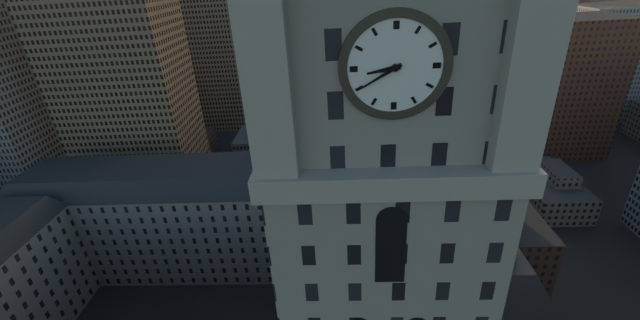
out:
{"hour": 8, "minute": 40}
